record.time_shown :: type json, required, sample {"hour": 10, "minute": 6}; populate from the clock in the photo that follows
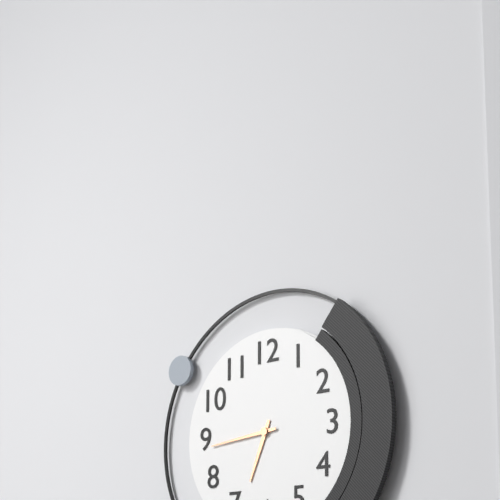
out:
{"hour": 6, "minute": 44}
